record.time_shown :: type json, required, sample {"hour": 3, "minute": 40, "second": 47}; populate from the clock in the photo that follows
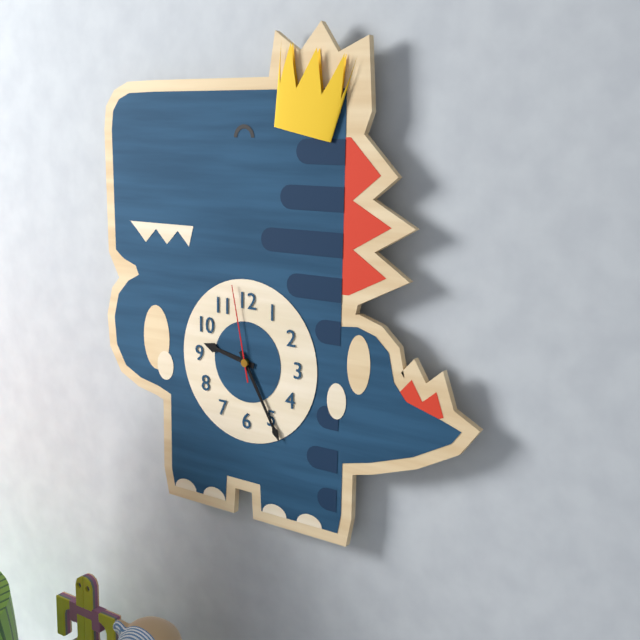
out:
{"hour": 9, "minute": 25, "second": 58}
